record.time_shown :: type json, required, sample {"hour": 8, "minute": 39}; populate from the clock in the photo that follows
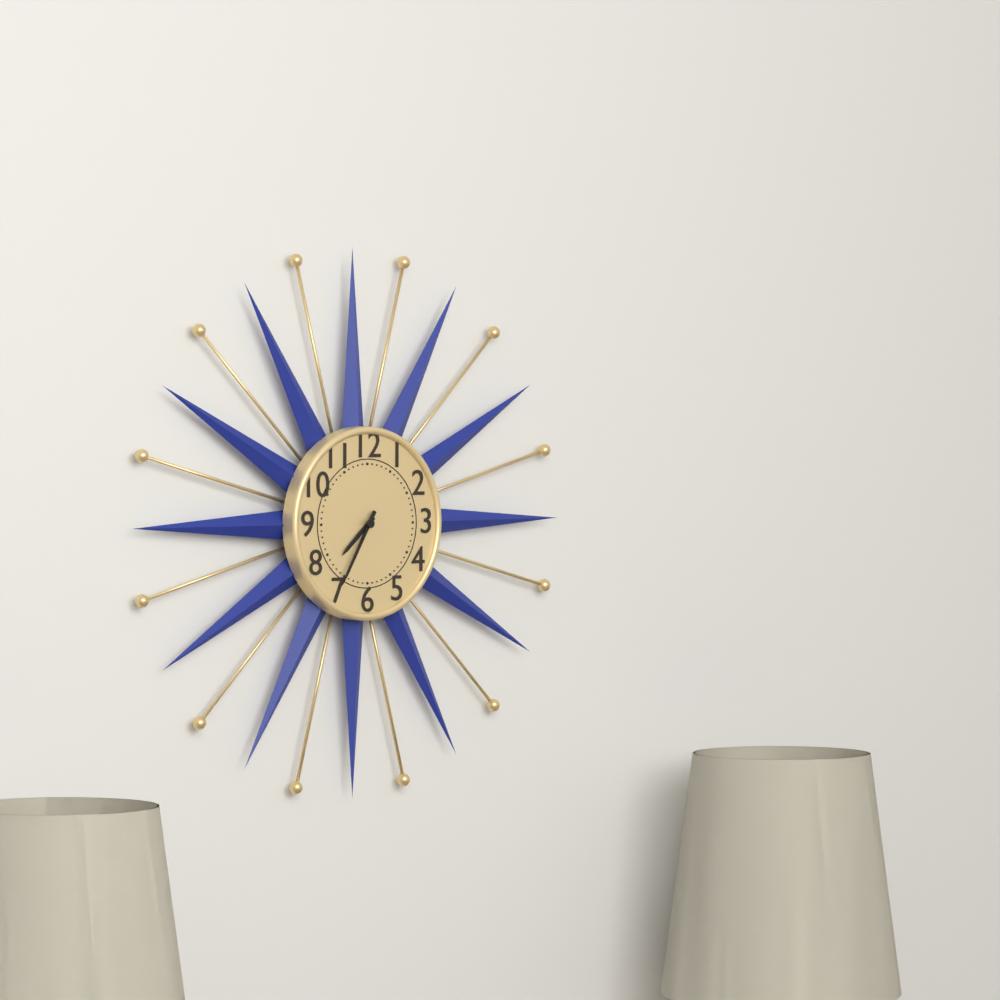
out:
{"hour": 7, "minute": 35}
